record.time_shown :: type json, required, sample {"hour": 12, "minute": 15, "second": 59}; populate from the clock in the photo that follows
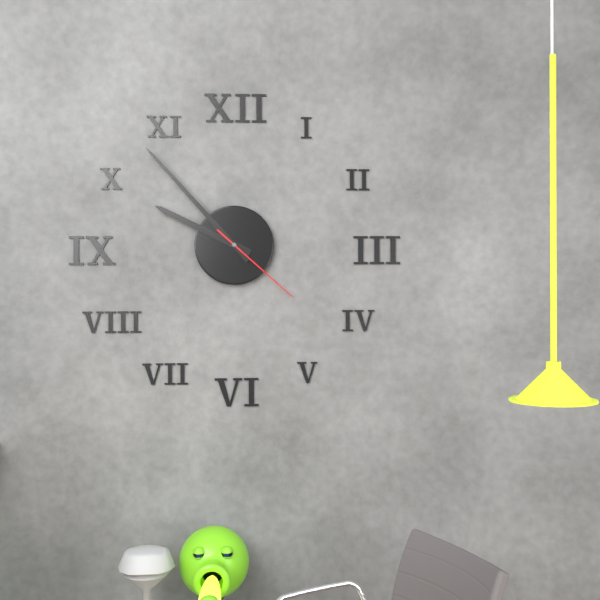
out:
{"hour": 9, "minute": 53, "second": 22}
